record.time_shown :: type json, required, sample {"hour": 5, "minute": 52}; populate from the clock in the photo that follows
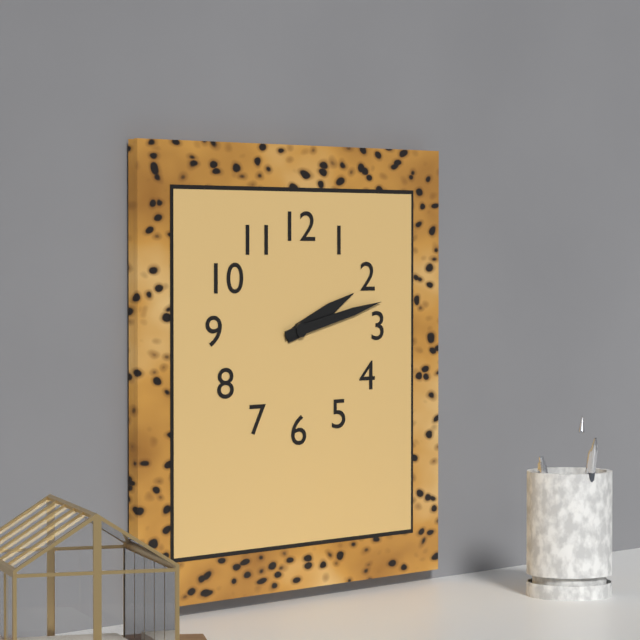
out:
{"hour": 2, "minute": 13}
